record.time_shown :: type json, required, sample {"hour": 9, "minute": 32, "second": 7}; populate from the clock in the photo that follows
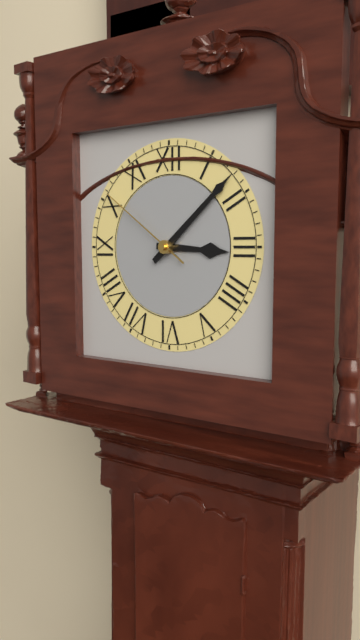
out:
{"hour": 3, "minute": 8, "second": 51}
